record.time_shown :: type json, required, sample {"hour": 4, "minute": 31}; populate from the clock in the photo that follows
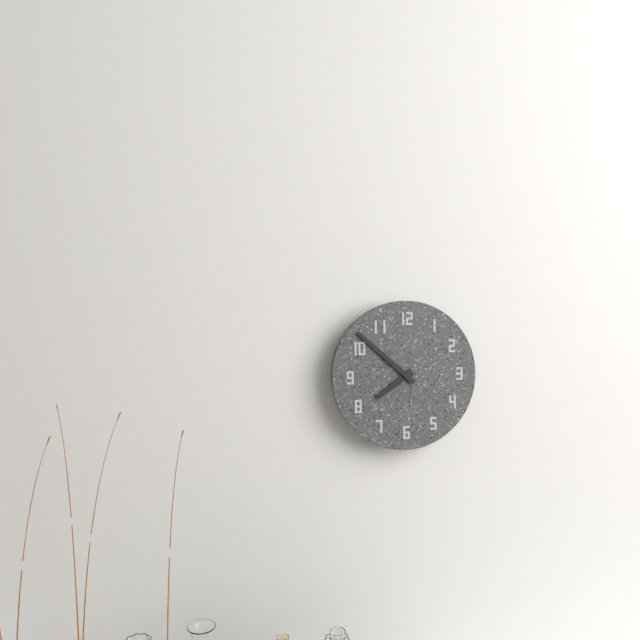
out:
{"hour": 7, "minute": 52}
